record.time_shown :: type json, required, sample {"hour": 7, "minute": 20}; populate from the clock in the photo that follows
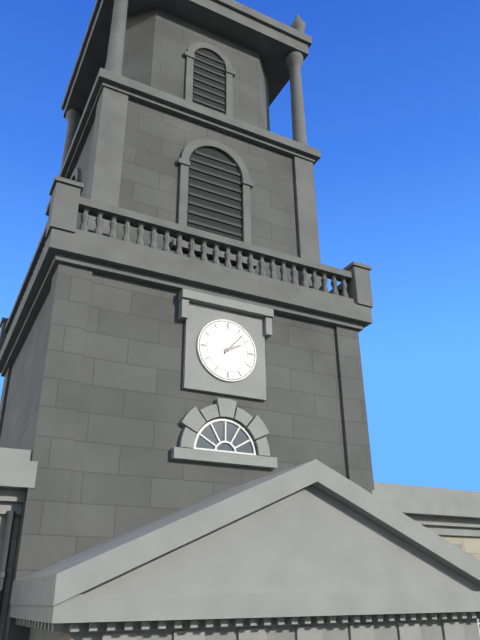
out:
{"hour": 2, "minute": 7}
